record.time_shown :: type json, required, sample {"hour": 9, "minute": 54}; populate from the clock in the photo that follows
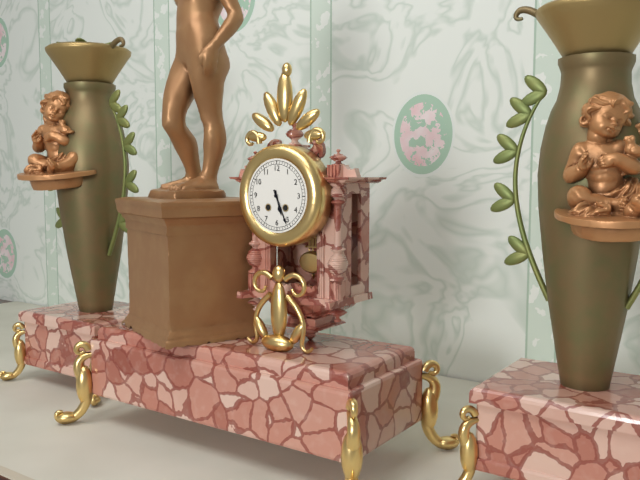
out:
{"hour": 5, "minute": 26}
